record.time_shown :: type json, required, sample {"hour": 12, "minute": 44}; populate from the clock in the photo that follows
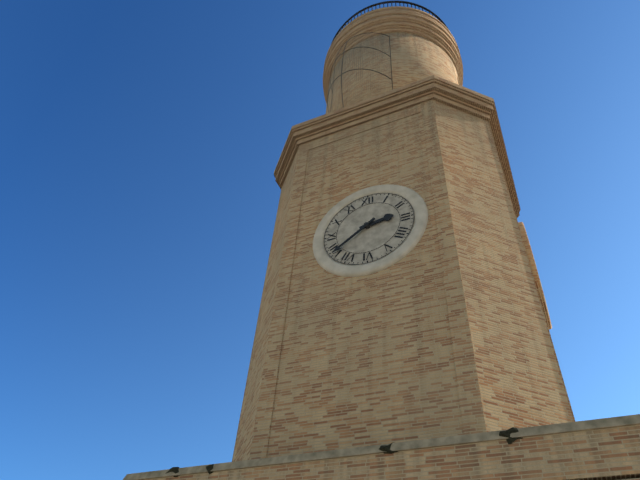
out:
{"hour": 2, "minute": 39}
